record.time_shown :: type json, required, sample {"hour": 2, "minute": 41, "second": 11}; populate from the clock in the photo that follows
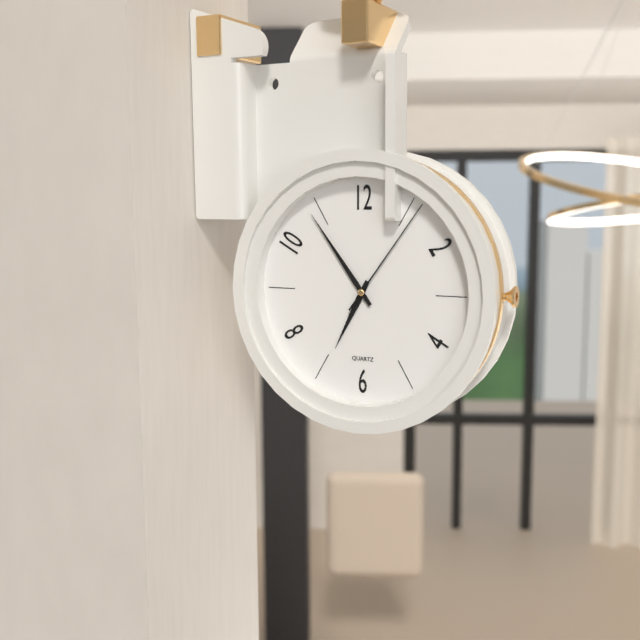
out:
{"hour": 6, "minute": 54, "second": 6}
